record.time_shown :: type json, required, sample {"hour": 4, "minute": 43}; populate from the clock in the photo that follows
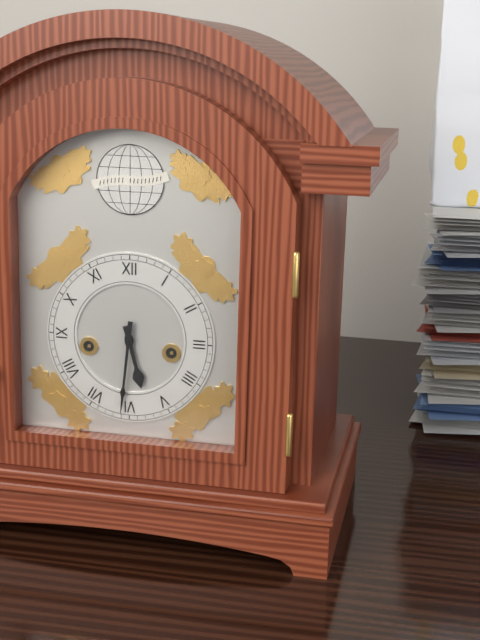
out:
{"hour": 5, "minute": 31}
